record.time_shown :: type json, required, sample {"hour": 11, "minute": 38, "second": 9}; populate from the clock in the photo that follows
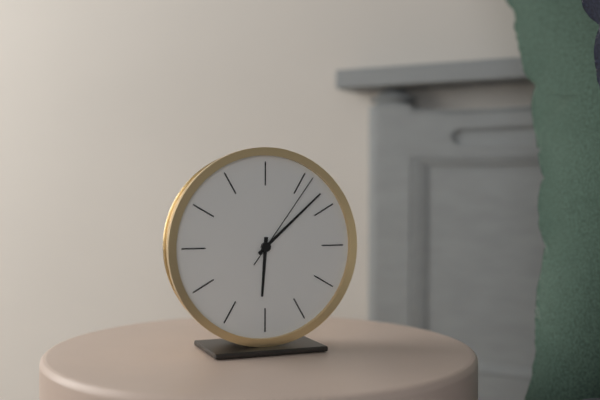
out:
{"hour": 6, "minute": 8, "second": 6}
